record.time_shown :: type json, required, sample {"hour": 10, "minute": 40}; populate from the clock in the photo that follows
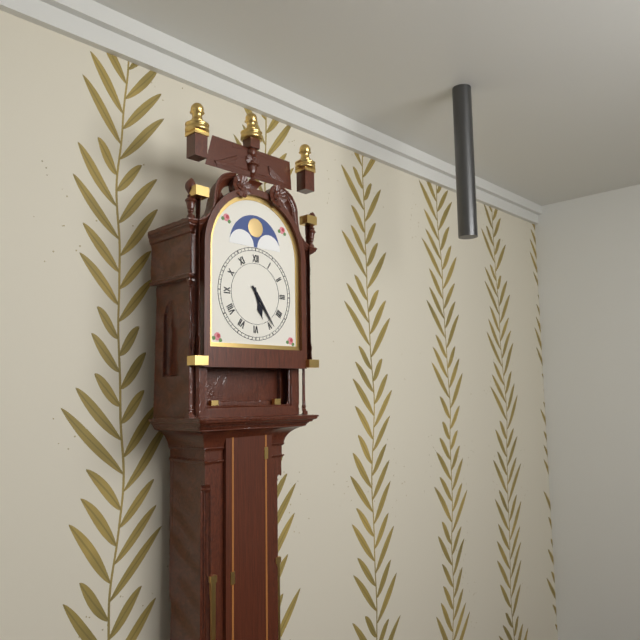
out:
{"hour": 5, "minute": 24}
